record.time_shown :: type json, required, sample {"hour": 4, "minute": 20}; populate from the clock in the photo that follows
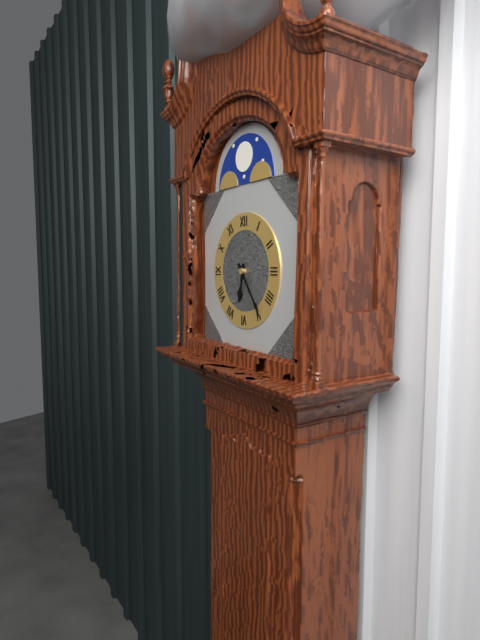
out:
{"hour": 6, "minute": 24}
